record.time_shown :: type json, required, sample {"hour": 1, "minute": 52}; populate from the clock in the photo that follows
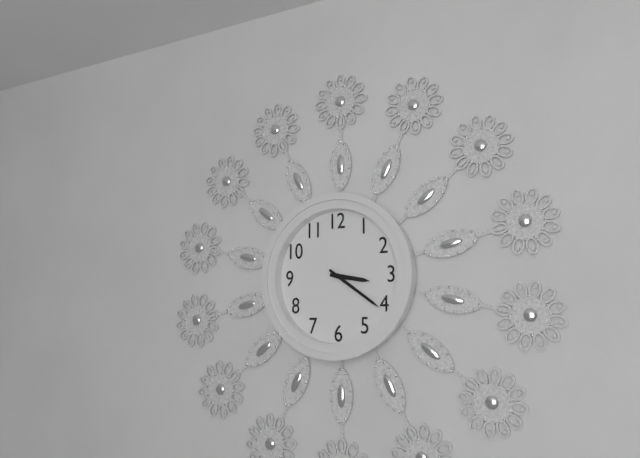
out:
{"hour": 3, "minute": 21}
